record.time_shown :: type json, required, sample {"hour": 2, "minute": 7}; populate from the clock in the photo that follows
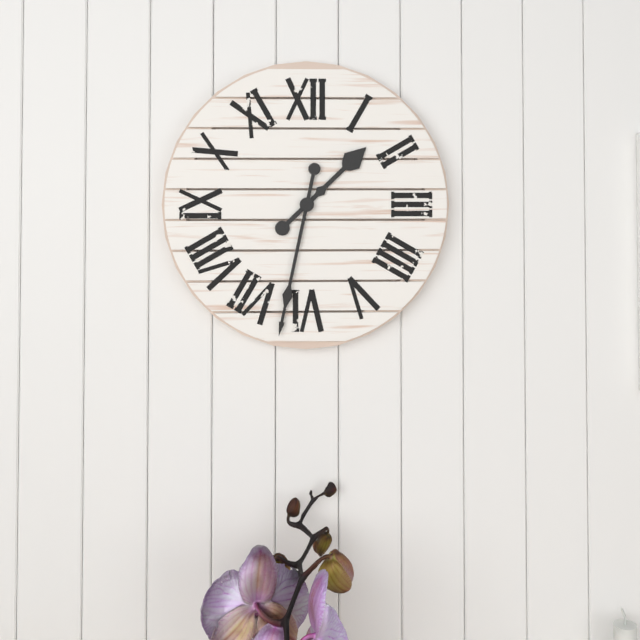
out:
{"hour": 1, "minute": 32}
